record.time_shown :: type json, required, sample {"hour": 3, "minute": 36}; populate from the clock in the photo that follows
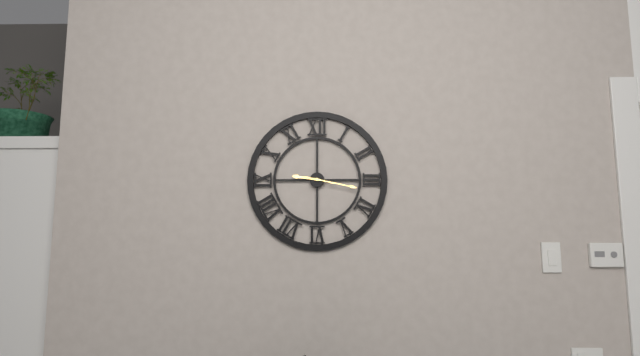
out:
{"hour": 9, "minute": 17}
